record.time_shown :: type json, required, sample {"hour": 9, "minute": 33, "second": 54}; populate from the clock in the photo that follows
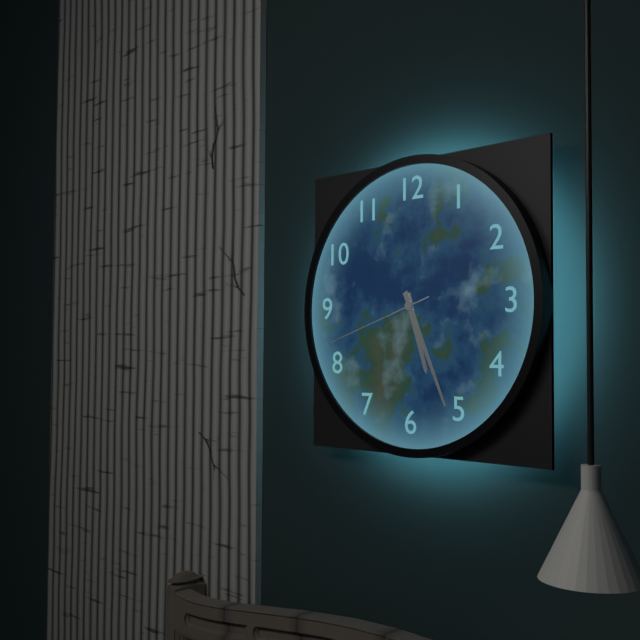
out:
{"hour": 5, "minute": 26, "second": 42}
